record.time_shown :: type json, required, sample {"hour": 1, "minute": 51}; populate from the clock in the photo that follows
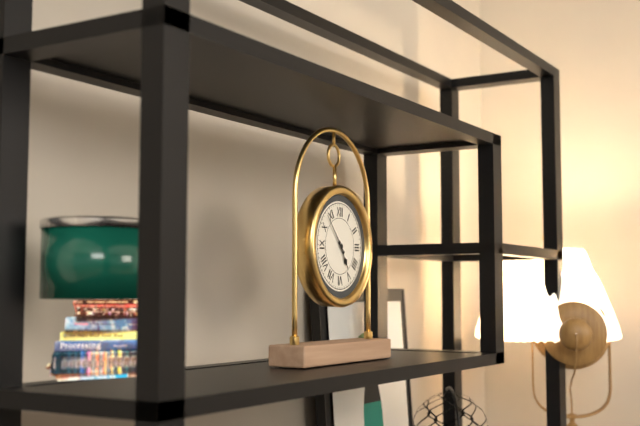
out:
{"hour": 4, "minute": 53}
